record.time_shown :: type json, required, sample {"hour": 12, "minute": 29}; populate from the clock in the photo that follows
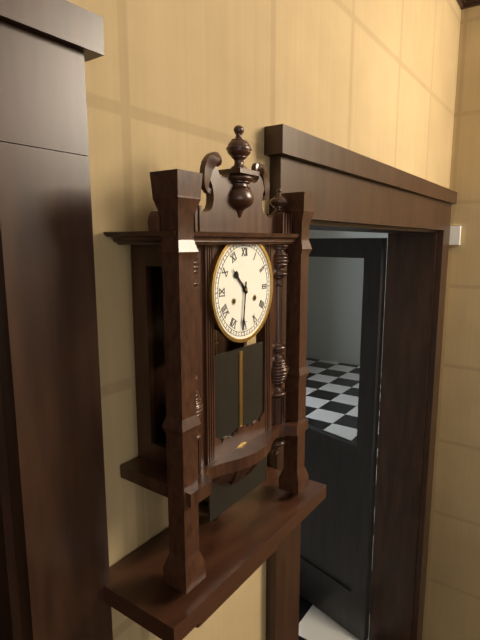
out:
{"hour": 10, "minute": 31}
